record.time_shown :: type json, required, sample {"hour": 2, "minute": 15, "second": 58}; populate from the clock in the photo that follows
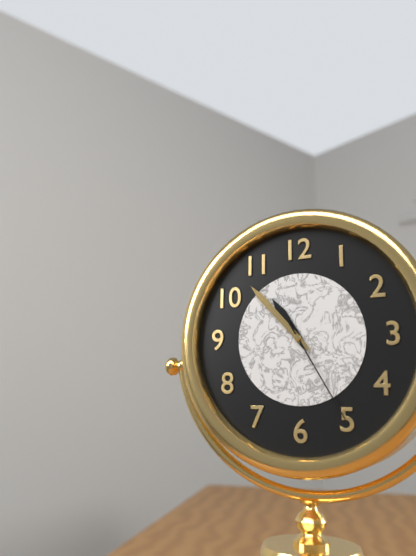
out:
{"hour": 10, "minute": 53, "second": 25}
